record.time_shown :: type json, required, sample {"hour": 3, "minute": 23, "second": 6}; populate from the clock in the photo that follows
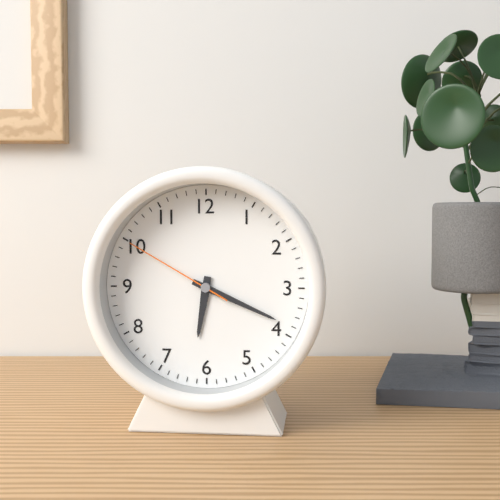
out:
{"hour": 6, "minute": 19, "second": 50}
